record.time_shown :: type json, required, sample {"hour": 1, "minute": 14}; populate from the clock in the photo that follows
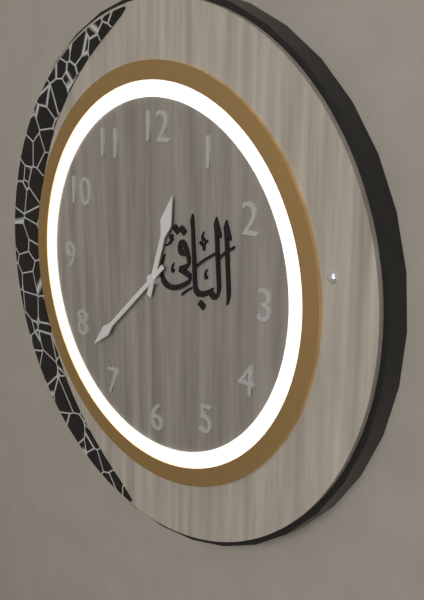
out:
{"hour": 12, "minute": 38}
